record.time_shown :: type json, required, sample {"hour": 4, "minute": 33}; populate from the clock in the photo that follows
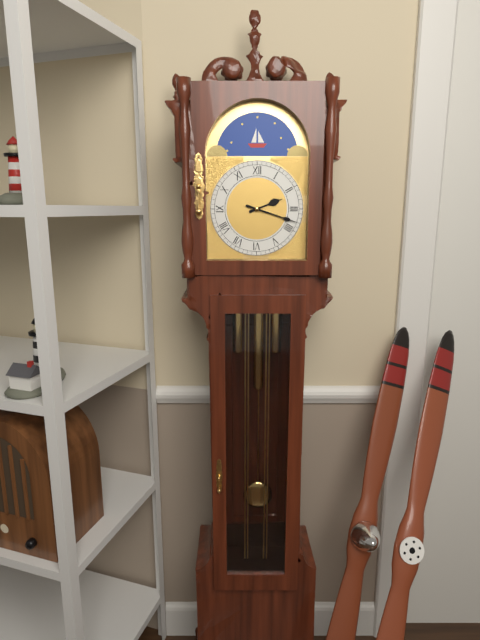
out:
{"hour": 2, "minute": 18}
